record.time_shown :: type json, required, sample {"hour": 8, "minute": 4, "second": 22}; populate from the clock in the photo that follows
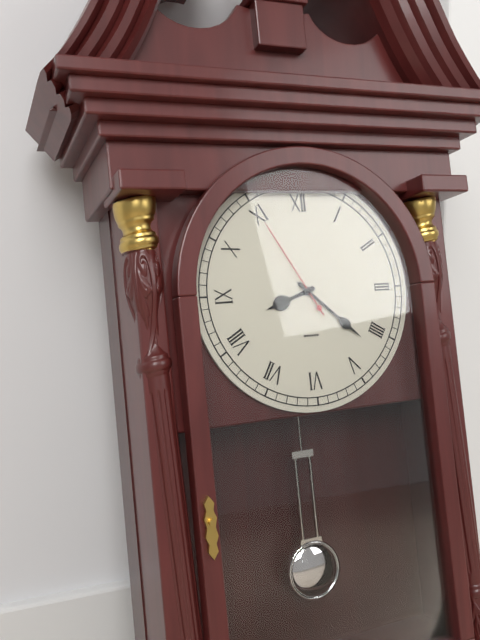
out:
{"hour": 8, "minute": 22, "second": 55}
